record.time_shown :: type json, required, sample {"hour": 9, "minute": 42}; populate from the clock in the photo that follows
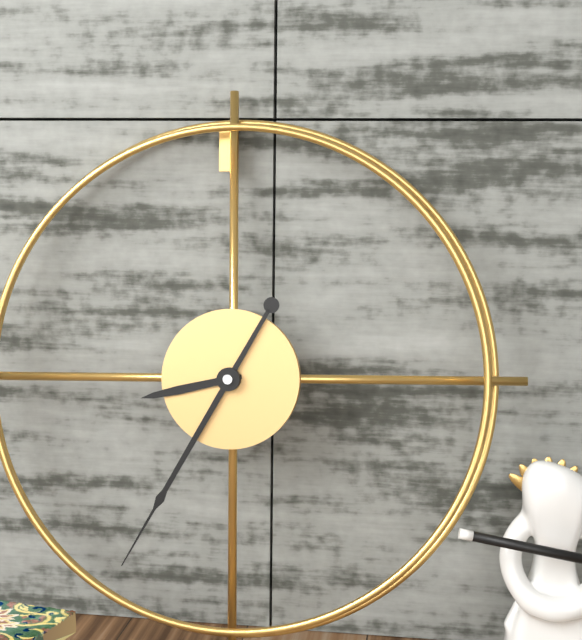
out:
{"hour": 8, "minute": 35}
